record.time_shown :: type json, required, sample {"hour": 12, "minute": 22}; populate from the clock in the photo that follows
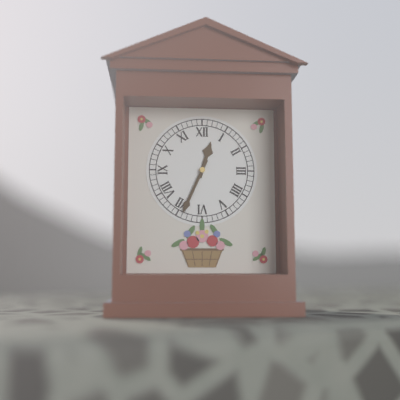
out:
{"hour": 12, "minute": 34}
